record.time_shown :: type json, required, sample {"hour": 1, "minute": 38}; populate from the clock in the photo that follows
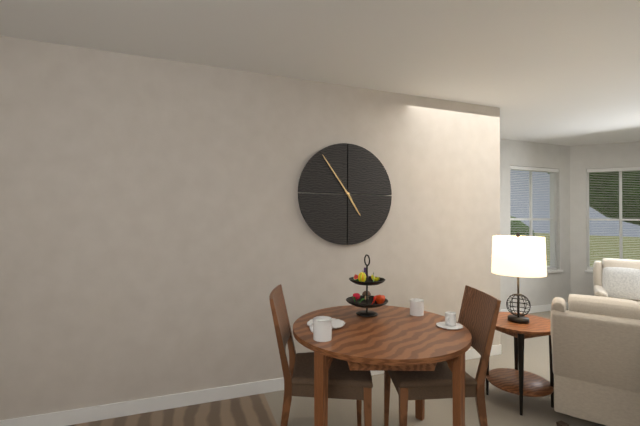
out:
{"hour": 4, "minute": 54}
